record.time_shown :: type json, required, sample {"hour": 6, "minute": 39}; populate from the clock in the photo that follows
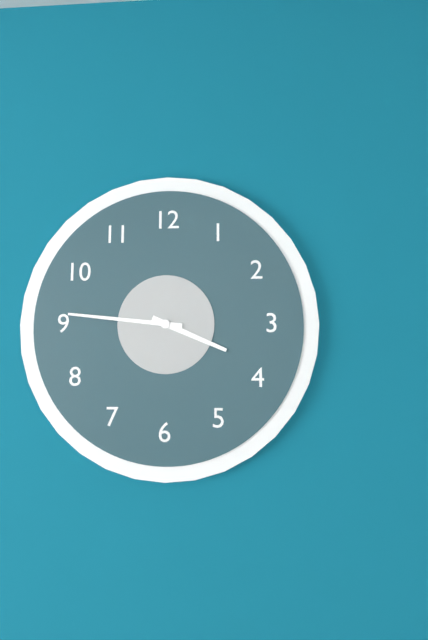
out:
{"hour": 3, "minute": 46}
